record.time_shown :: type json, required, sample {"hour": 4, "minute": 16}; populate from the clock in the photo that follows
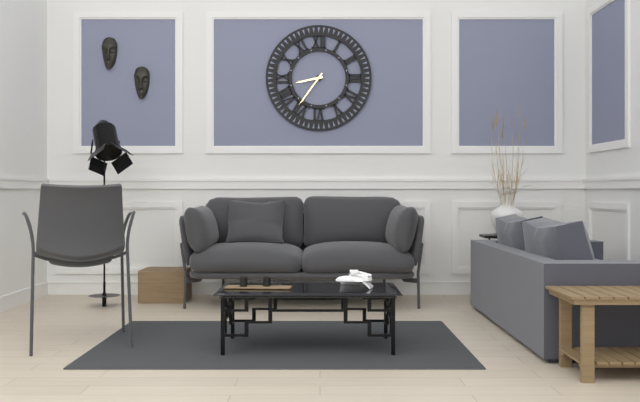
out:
{"hour": 8, "minute": 36}
